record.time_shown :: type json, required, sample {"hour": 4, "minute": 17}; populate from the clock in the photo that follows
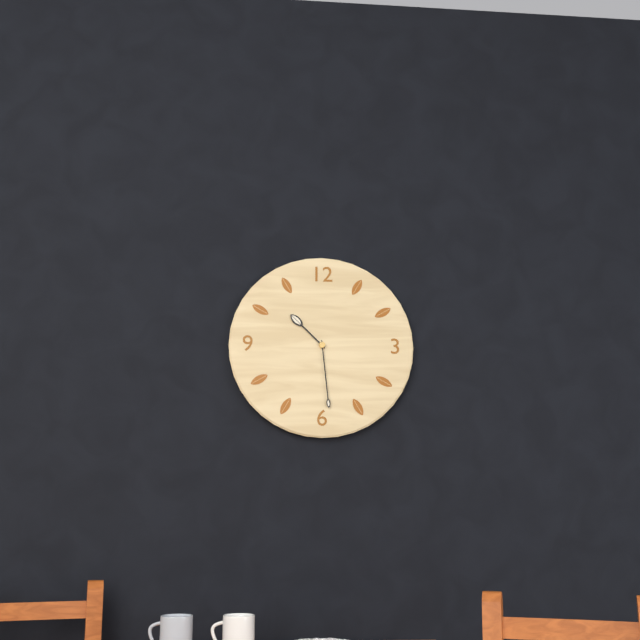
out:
{"hour": 10, "minute": 29}
